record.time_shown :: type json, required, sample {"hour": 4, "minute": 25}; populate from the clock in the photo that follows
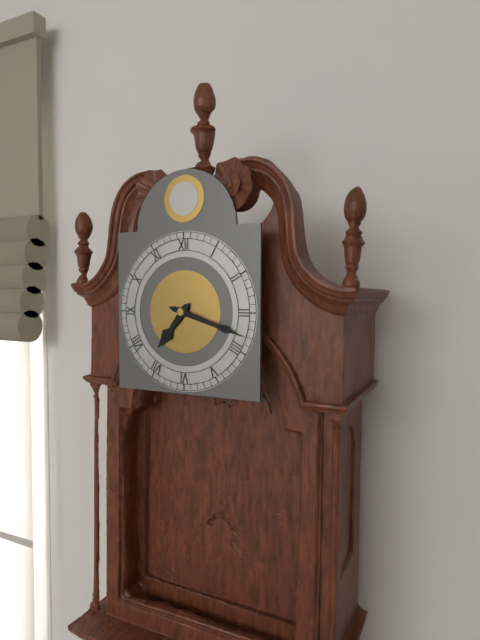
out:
{"hour": 7, "minute": 18}
